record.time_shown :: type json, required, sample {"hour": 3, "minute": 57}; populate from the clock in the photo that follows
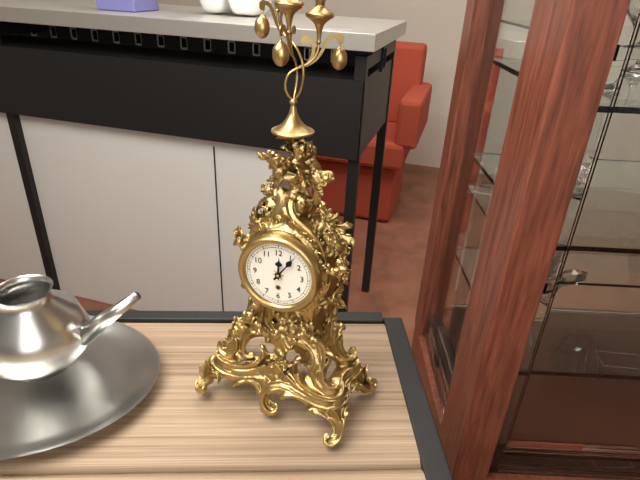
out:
{"hour": 12, "minute": 6}
